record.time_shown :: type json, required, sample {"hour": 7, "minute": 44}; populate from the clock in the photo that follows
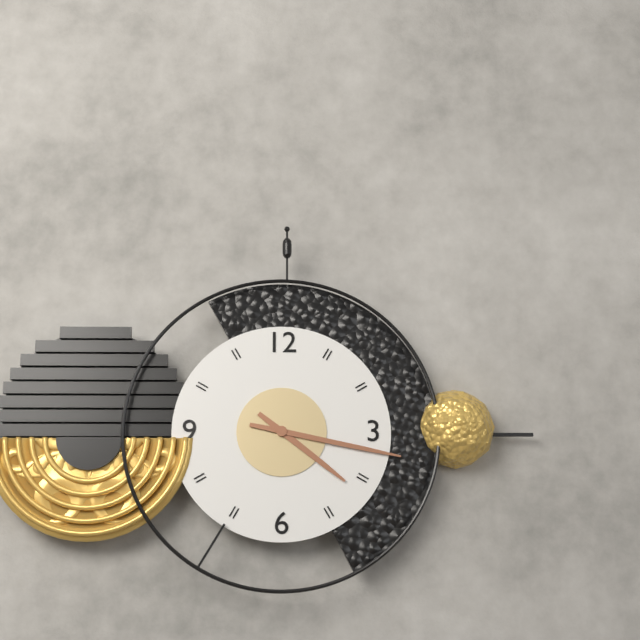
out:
{"hour": 4, "minute": 17}
